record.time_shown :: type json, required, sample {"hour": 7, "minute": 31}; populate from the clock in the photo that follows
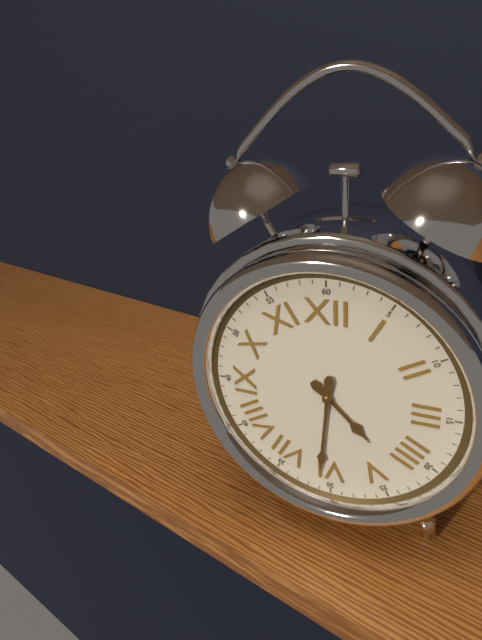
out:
{"hour": 4, "minute": 31}
